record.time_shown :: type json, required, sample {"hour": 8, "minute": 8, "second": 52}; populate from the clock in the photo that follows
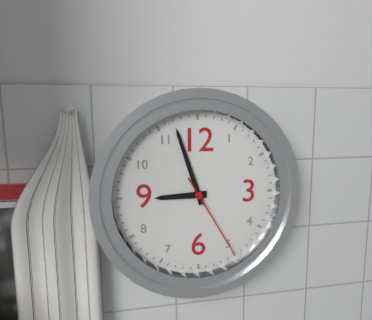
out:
{"hour": 8, "minute": 57, "second": 25}
